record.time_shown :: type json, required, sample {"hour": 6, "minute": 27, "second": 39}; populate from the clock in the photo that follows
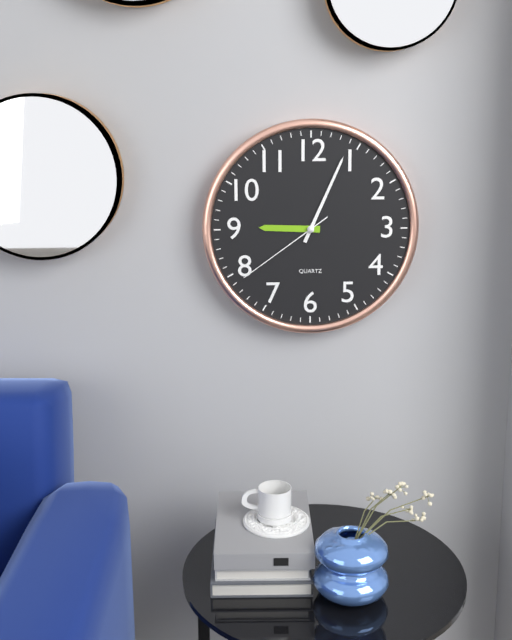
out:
{"hour": 9, "minute": 4, "second": 39}
